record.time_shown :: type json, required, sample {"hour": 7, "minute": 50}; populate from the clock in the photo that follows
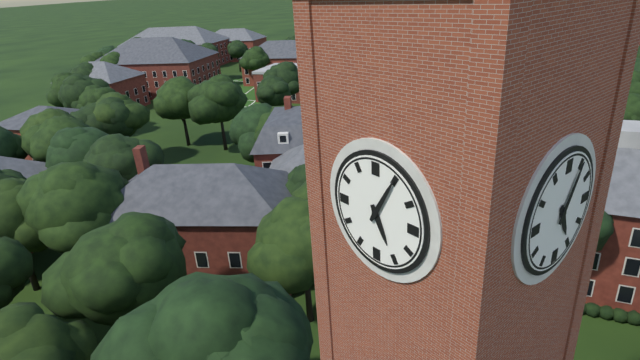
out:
{"hour": 5, "minute": 5}
